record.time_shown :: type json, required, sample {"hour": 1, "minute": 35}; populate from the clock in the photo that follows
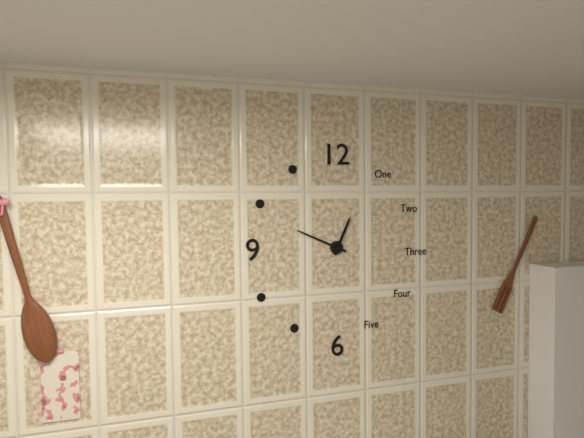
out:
{"hour": 12, "minute": 49}
